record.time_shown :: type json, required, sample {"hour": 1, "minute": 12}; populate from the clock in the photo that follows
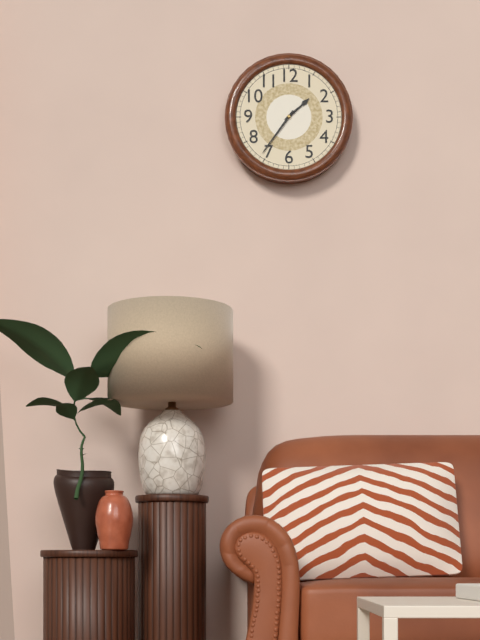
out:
{"hour": 1, "minute": 36}
